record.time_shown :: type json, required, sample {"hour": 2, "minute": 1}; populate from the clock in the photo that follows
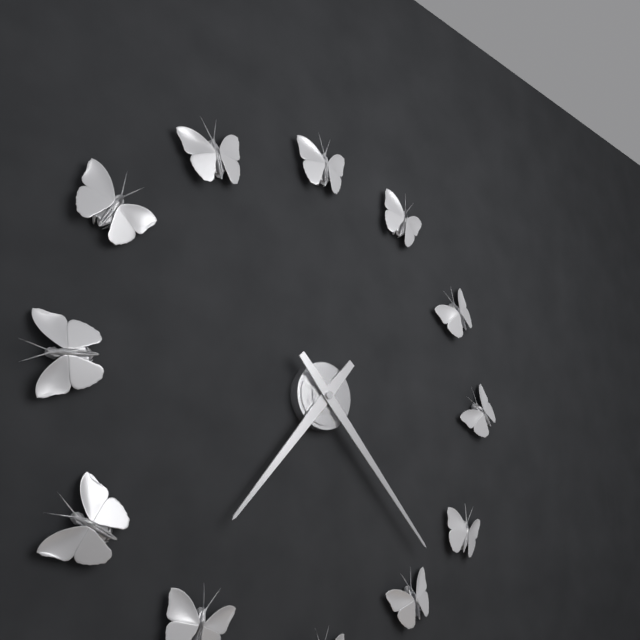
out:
{"hour": 7, "minute": 23}
